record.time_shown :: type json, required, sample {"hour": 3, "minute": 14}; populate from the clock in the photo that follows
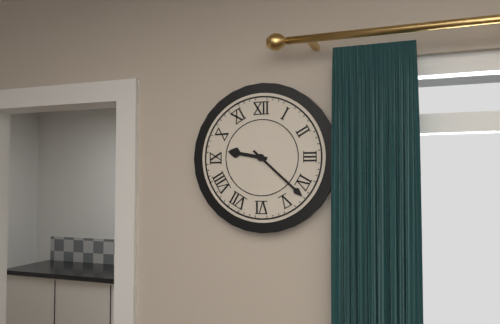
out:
{"hour": 9, "minute": 22}
